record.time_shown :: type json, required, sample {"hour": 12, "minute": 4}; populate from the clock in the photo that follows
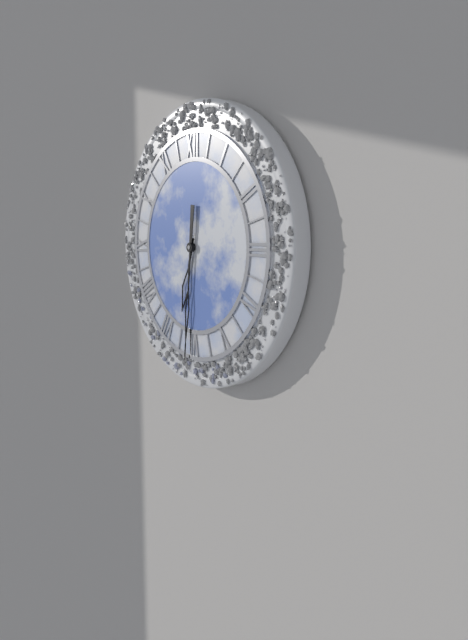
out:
{"hour": 6, "minute": 31}
